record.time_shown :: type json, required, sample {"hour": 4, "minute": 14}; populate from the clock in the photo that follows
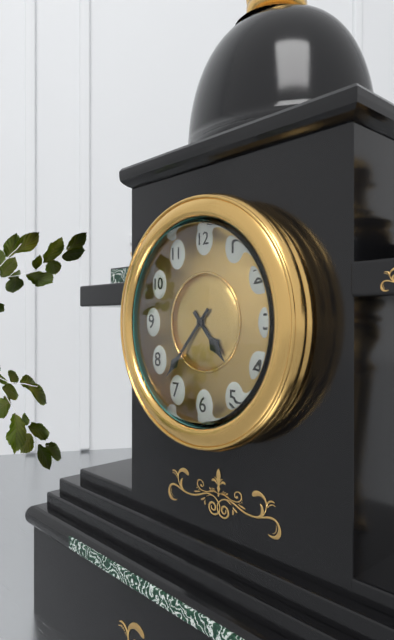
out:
{"hour": 4, "minute": 37}
